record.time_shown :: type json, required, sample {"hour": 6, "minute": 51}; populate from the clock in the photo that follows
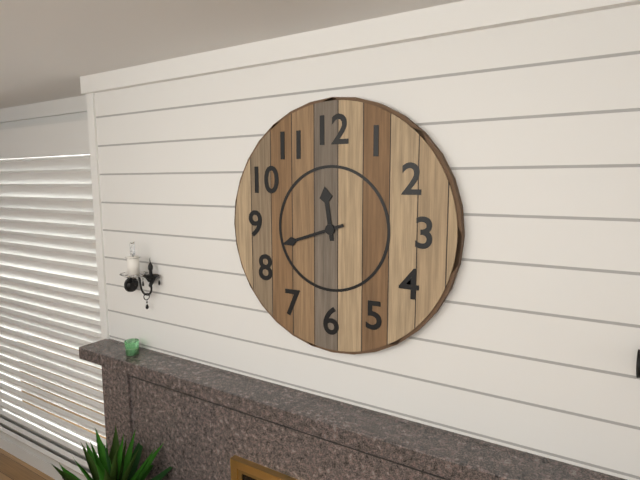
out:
{"hour": 11, "minute": 42}
